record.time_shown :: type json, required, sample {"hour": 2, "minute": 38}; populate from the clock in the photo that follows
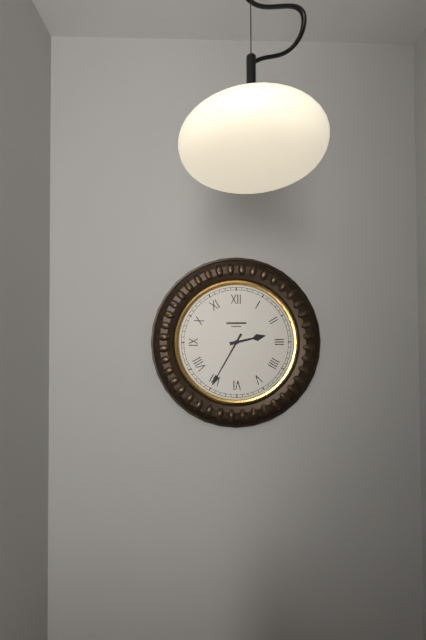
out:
{"hour": 2, "minute": 35}
